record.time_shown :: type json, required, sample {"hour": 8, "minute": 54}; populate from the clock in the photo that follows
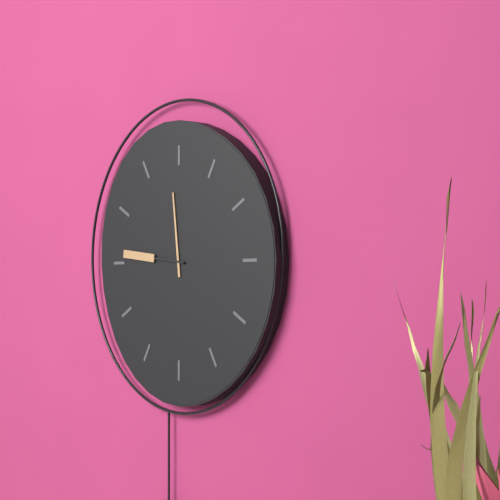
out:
{"hour": 11, "minute": 46}
